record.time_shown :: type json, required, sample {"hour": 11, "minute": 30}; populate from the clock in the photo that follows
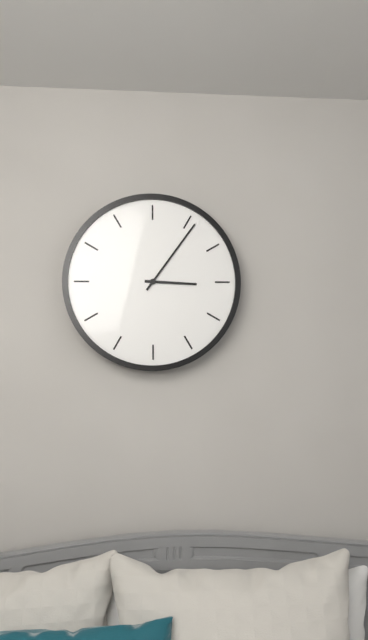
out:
{"hour": 3, "minute": 6}
